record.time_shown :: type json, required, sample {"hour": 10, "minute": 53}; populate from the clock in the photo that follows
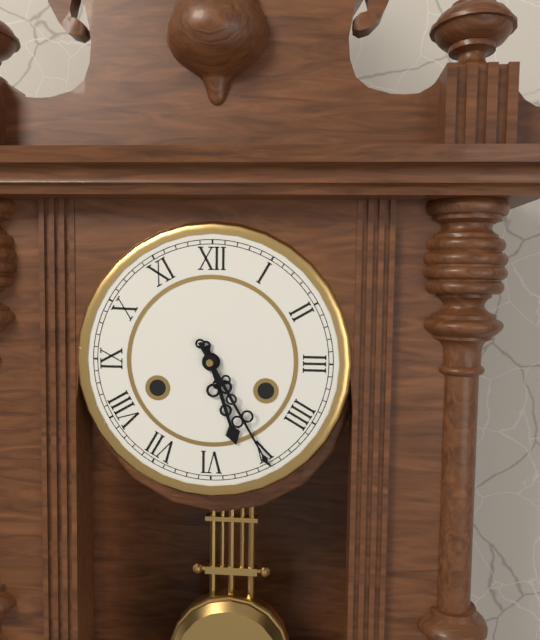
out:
{"hour": 5, "minute": 25}
